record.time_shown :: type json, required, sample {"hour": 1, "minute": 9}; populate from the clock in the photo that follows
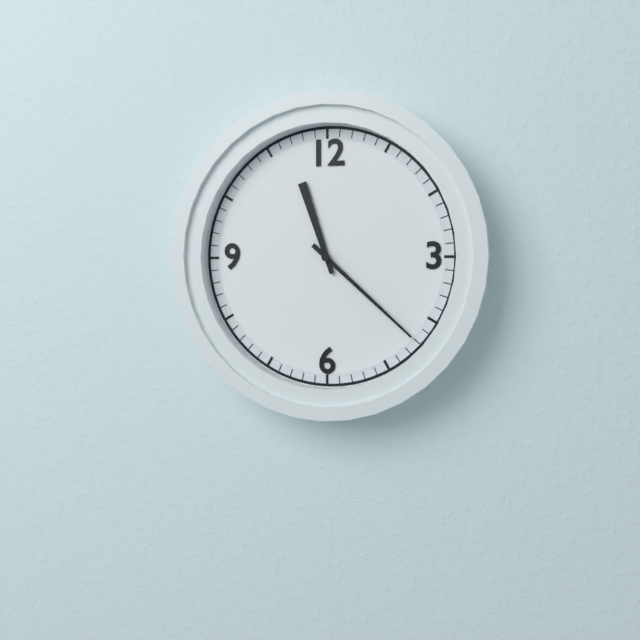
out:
{"hour": 11, "minute": 22}
